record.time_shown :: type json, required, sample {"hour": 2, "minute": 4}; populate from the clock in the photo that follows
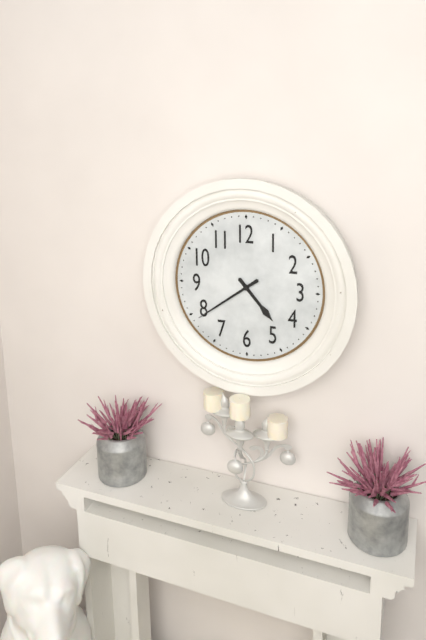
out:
{"hour": 4, "minute": 39}
